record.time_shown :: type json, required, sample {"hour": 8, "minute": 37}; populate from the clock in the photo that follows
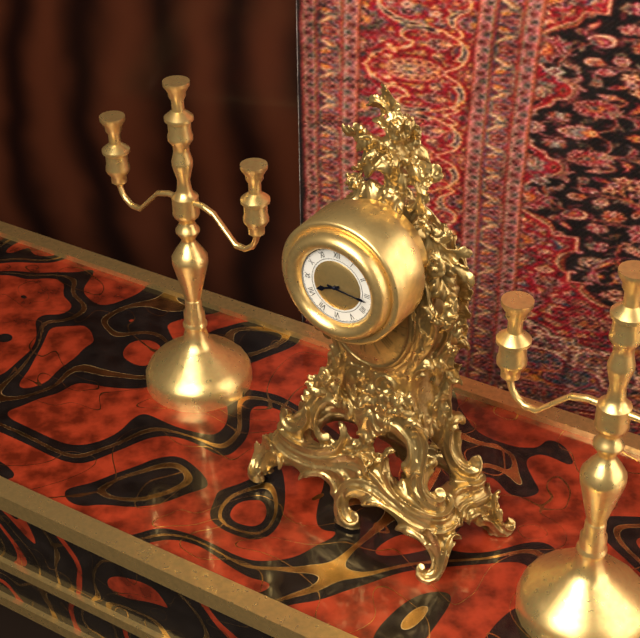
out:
{"hour": 8, "minute": 16}
